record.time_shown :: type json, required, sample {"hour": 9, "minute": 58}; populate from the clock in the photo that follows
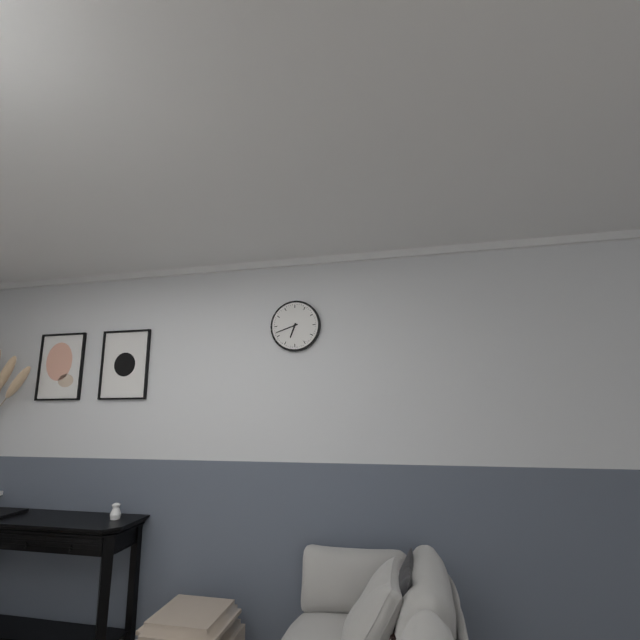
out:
{"hour": 6, "minute": 42}
